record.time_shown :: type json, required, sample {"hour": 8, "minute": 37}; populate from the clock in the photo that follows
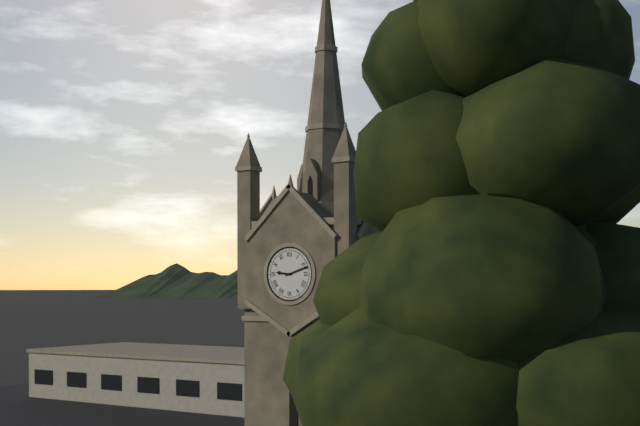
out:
{"hour": 9, "minute": 12}
